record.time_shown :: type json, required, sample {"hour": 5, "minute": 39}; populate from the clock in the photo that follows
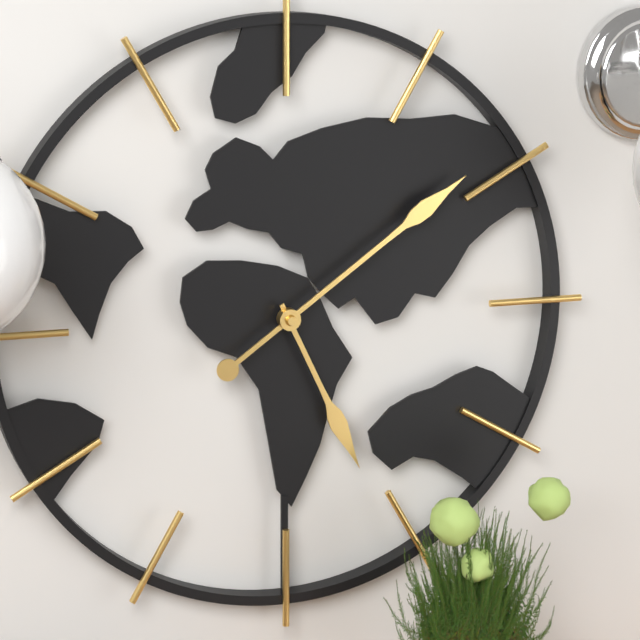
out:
{"hour": 5, "minute": 9}
